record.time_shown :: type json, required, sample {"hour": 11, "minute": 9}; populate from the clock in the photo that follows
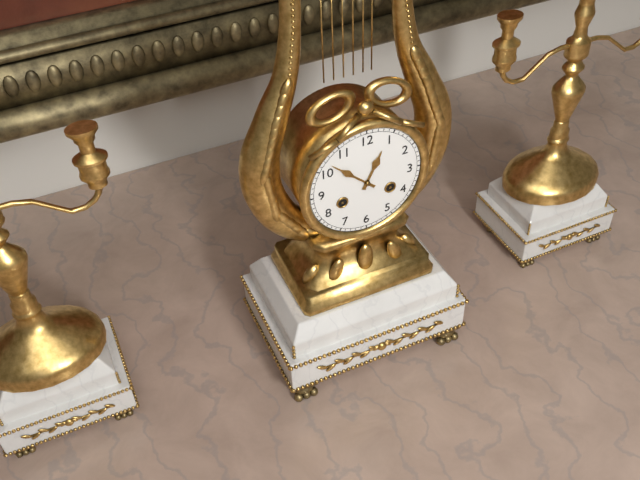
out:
{"hour": 12, "minute": 52}
